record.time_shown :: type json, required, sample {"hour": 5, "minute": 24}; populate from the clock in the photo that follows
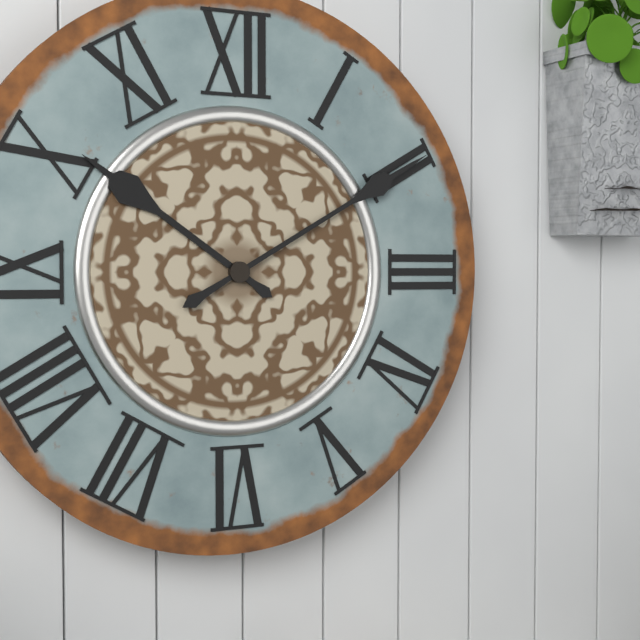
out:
{"hour": 10, "minute": 10}
